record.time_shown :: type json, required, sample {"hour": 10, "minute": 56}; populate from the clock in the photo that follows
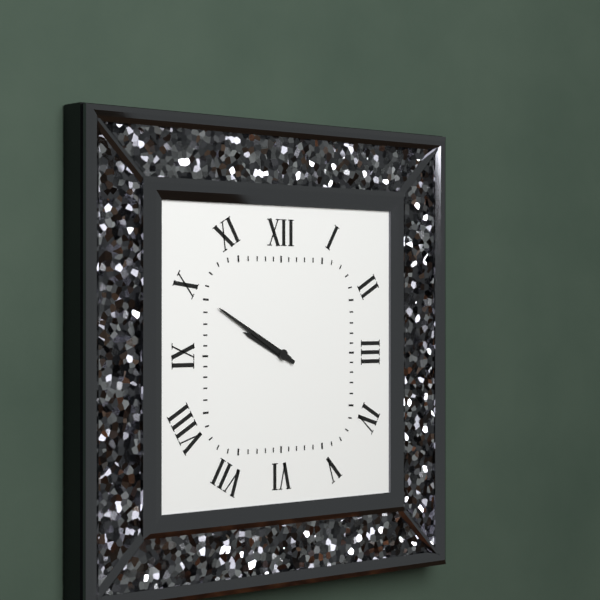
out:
{"hour": 9, "minute": 50}
